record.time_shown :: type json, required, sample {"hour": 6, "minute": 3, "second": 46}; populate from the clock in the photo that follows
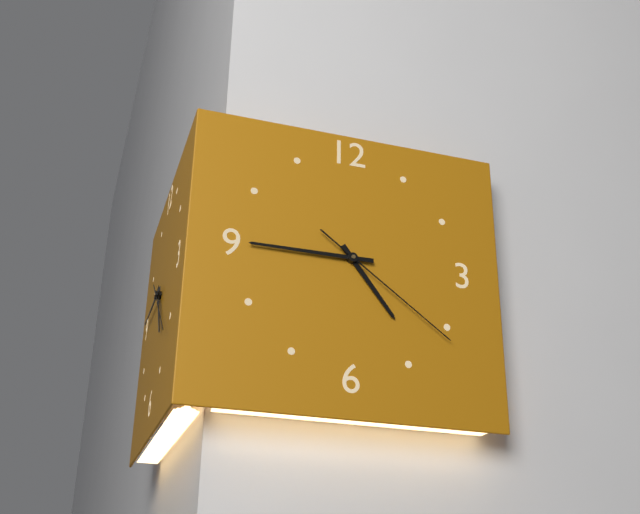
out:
{"hour": 4, "minute": 45, "second": 21}
